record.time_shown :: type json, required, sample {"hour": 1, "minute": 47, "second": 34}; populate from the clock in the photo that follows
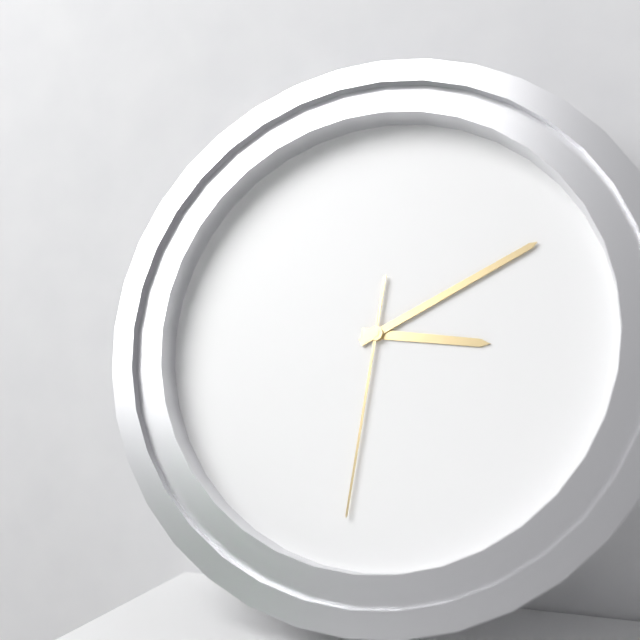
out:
{"hour": 3, "minute": 10, "second": 31}
